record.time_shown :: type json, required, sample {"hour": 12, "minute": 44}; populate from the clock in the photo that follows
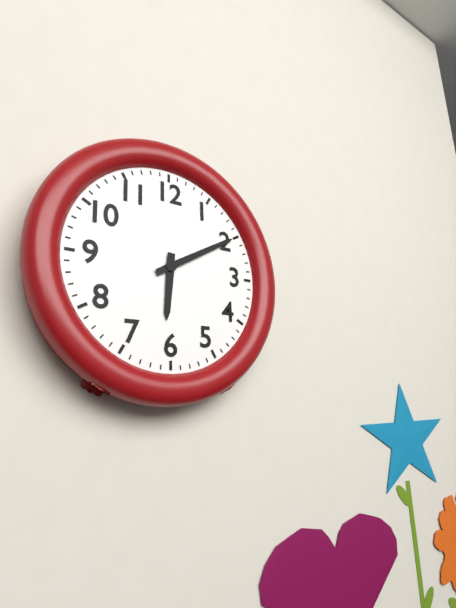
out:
{"hour": 6, "minute": 10}
